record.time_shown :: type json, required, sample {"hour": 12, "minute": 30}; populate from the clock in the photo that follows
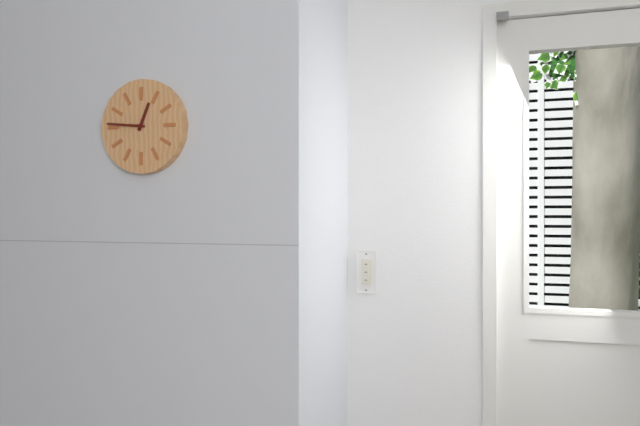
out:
{"hour": 12, "minute": 46}
